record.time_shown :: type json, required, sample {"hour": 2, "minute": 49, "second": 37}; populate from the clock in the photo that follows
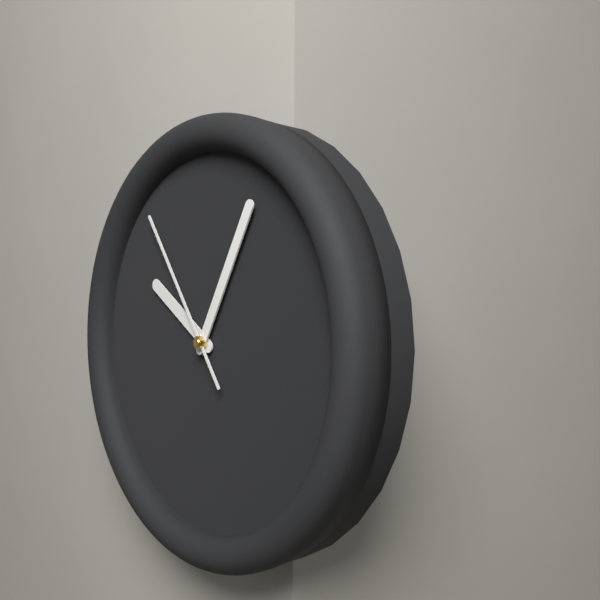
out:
{"hour": 10, "minute": 5, "second": 54}
